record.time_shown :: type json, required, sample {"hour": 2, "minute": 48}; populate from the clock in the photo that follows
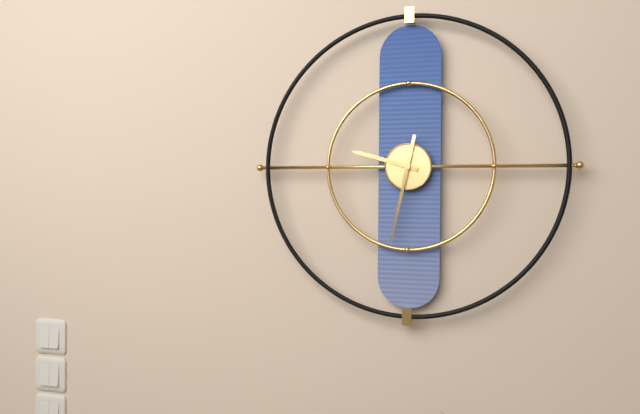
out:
{"hour": 9, "minute": 32}
